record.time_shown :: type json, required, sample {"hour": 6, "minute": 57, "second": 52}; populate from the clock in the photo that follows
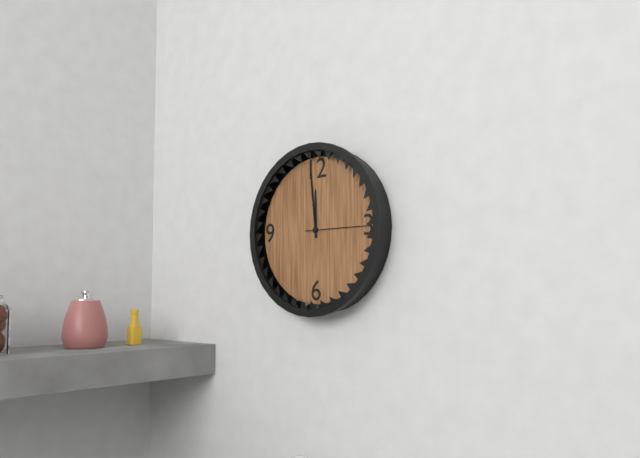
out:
{"hour": 11, "minute": 59, "second": 15}
